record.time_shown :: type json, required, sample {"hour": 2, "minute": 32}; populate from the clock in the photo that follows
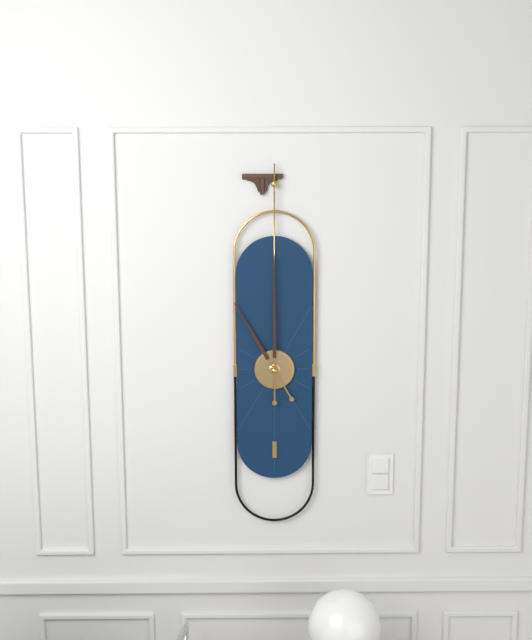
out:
{"hour": 11, "minute": 0}
